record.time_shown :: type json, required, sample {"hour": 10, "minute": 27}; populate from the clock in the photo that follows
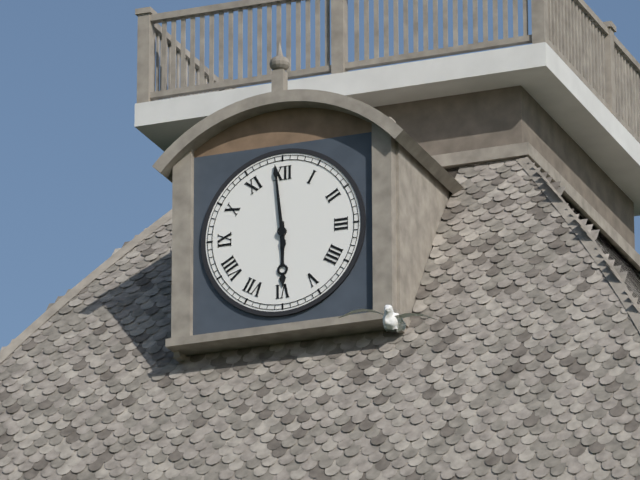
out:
{"hour": 5, "minute": 59}
